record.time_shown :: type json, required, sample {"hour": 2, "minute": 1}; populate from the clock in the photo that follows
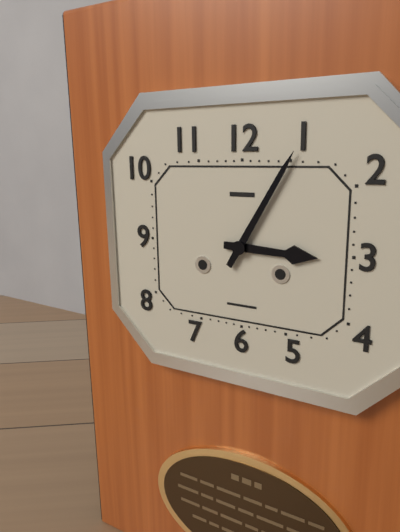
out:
{"hour": 3, "minute": 5}
